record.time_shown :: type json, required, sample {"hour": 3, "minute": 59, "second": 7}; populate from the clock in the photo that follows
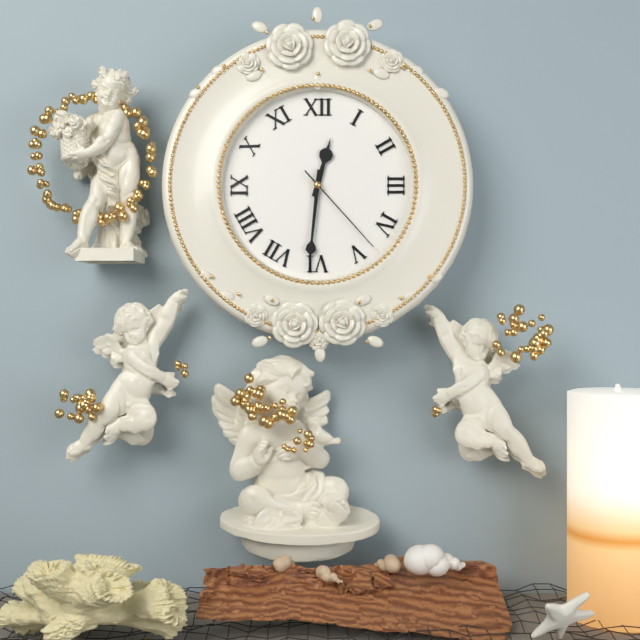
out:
{"hour": 12, "minute": 31, "second": 23}
